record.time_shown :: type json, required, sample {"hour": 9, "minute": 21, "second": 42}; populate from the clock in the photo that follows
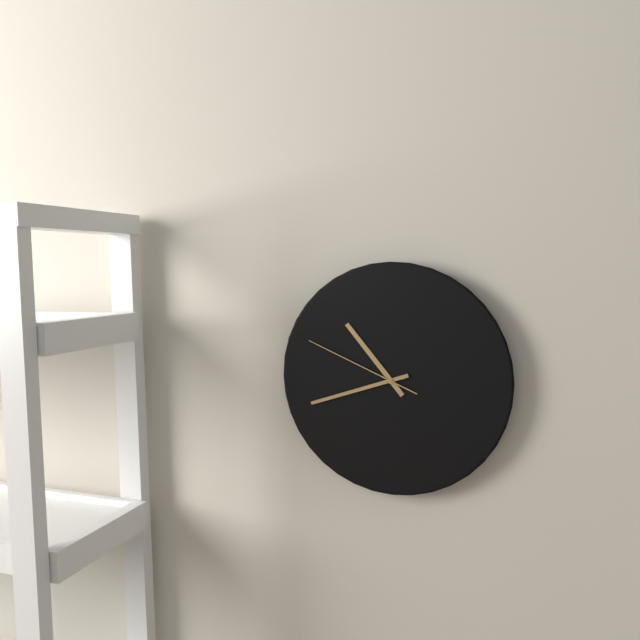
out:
{"hour": 10, "minute": 42, "second": 49}
